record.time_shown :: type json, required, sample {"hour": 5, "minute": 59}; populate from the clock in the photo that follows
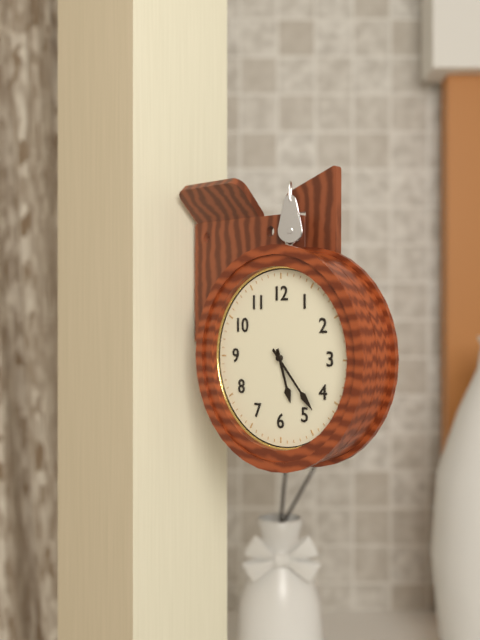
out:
{"hour": 5, "minute": 23}
